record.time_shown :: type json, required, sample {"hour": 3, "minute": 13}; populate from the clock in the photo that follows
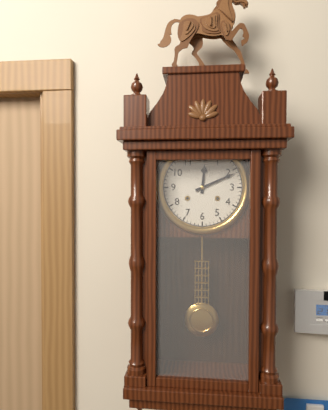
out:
{"hour": 12, "minute": 11}
